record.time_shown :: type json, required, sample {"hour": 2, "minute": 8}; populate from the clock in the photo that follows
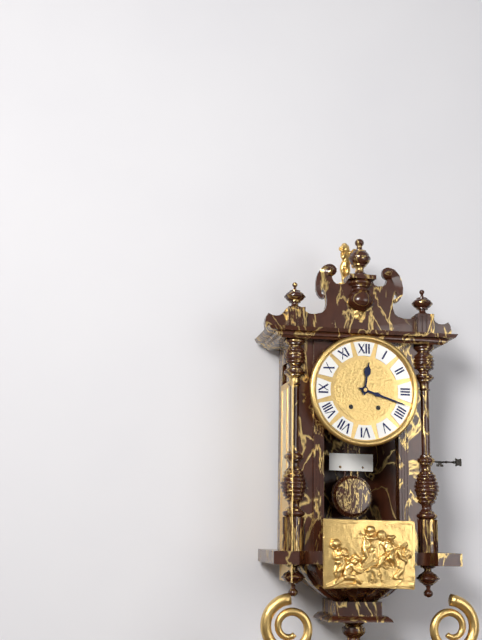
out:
{"hour": 12, "minute": 18}
